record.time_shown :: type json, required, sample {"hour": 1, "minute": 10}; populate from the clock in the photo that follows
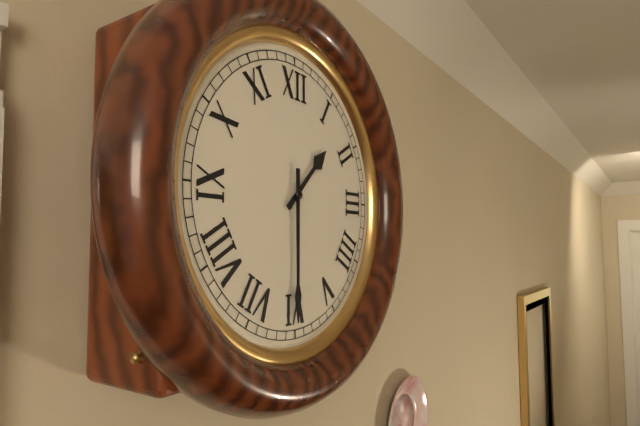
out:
{"hour": 1, "minute": 30}
